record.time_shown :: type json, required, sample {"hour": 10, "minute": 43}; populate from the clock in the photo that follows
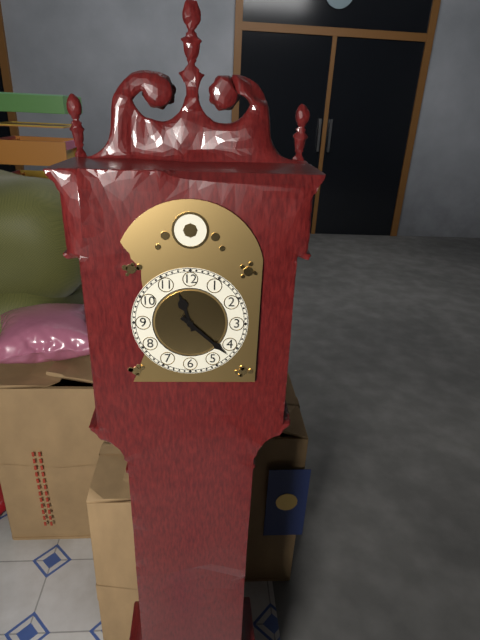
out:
{"hour": 11, "minute": 22}
